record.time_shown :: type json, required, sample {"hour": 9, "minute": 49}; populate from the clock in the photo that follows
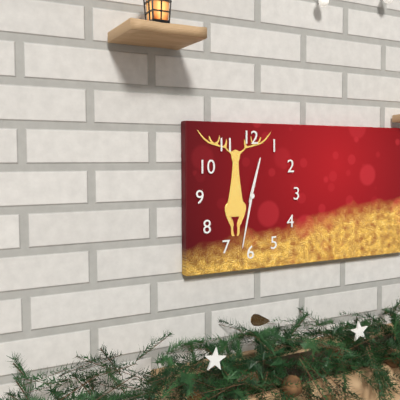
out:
{"hour": 12, "minute": 32}
